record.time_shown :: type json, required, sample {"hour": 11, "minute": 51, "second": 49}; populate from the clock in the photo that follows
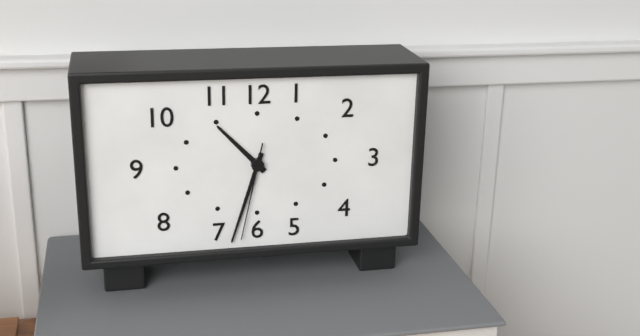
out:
{"hour": 10, "minute": 33, "second": 32}
